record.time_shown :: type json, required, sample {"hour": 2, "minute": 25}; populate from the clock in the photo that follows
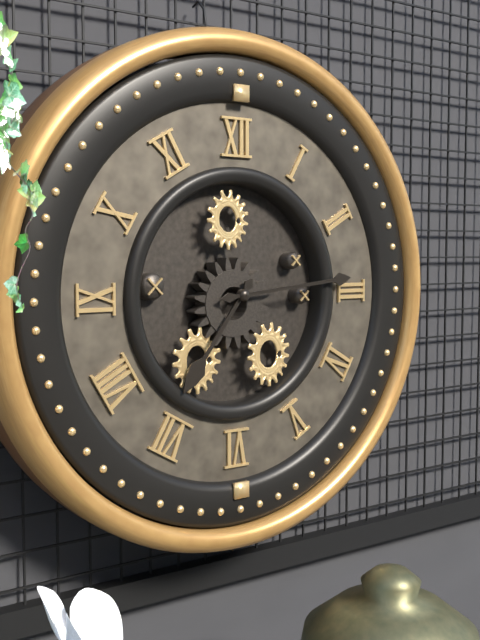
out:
{"hour": 7, "minute": 14}
